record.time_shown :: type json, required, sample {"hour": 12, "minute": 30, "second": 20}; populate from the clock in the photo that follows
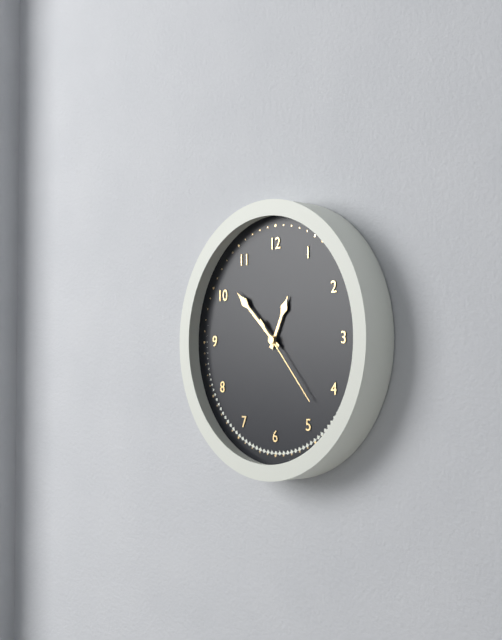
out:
{"hour": 12, "minute": 52, "second": 23}
